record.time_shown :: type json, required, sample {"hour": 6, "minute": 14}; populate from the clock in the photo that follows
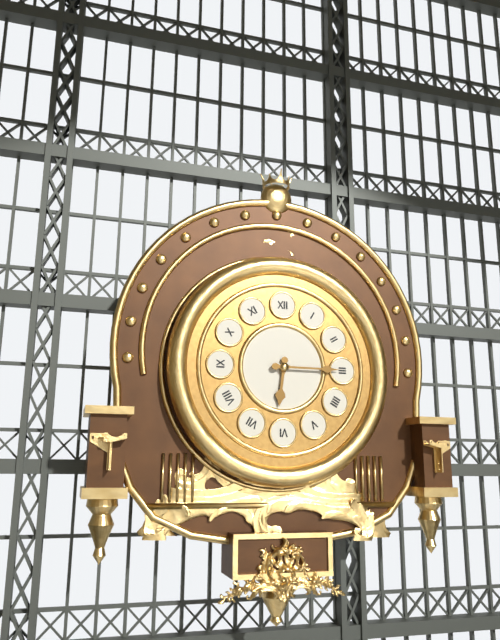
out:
{"hour": 6, "minute": 15}
